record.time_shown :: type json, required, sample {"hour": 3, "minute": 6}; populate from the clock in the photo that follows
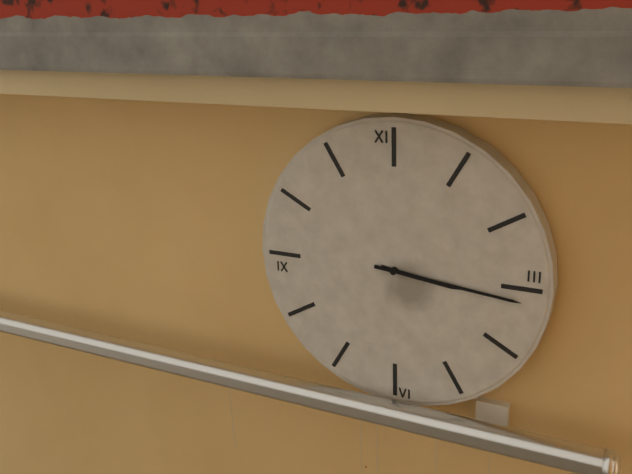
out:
{"hour": 3, "minute": 16}
